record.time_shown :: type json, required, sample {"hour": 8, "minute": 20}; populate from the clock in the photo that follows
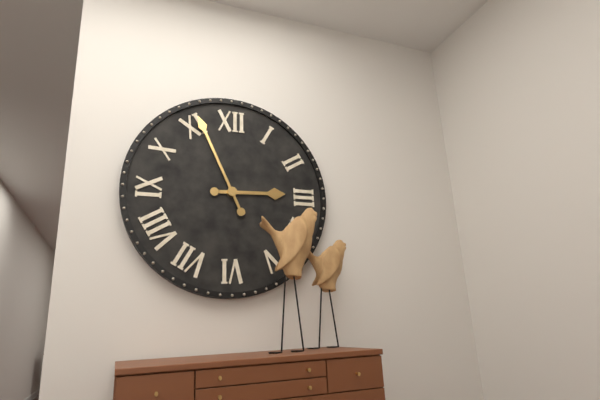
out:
{"hour": 2, "minute": 56}
